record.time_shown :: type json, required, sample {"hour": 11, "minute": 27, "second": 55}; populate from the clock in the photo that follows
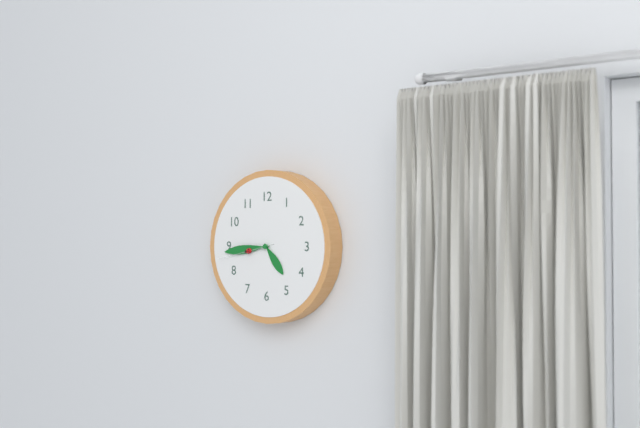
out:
{"hour": 4, "minute": 44, "second": 43}
